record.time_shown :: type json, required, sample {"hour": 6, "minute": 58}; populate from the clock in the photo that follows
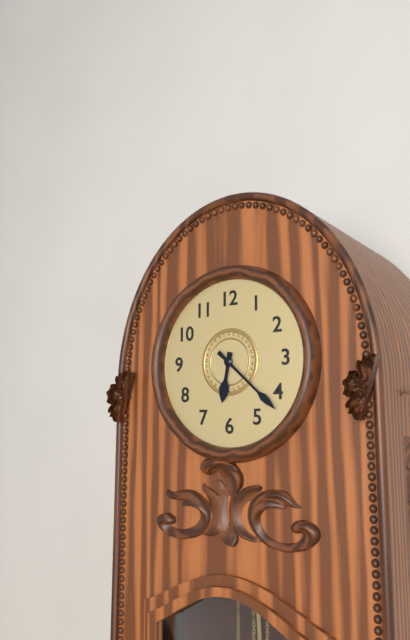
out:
{"hour": 6, "minute": 22}
